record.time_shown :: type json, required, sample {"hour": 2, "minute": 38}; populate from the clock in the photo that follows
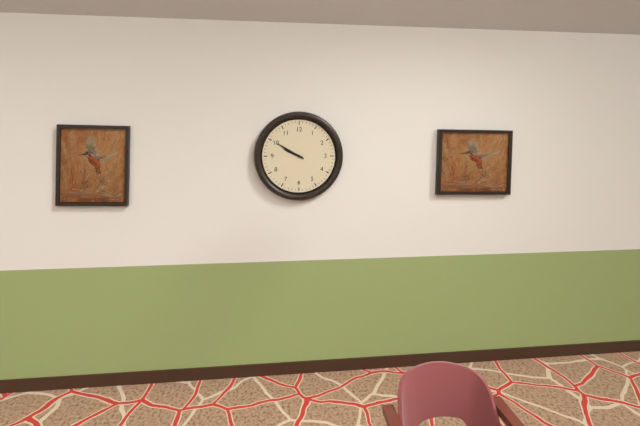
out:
{"hour": 9, "minute": 50}
